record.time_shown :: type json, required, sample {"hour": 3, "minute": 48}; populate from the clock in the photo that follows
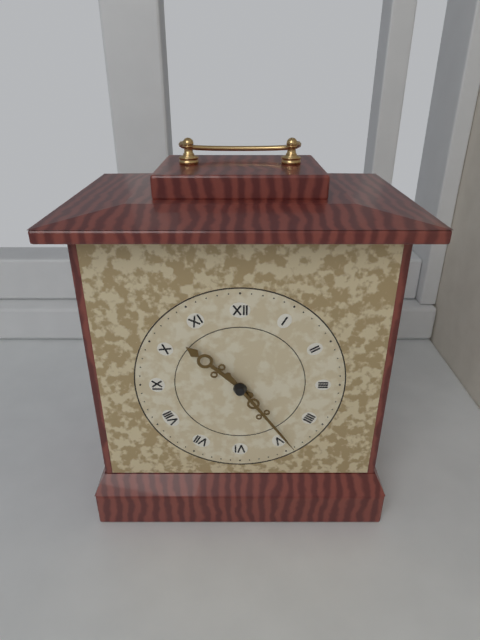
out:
{"hour": 10, "minute": 24}
